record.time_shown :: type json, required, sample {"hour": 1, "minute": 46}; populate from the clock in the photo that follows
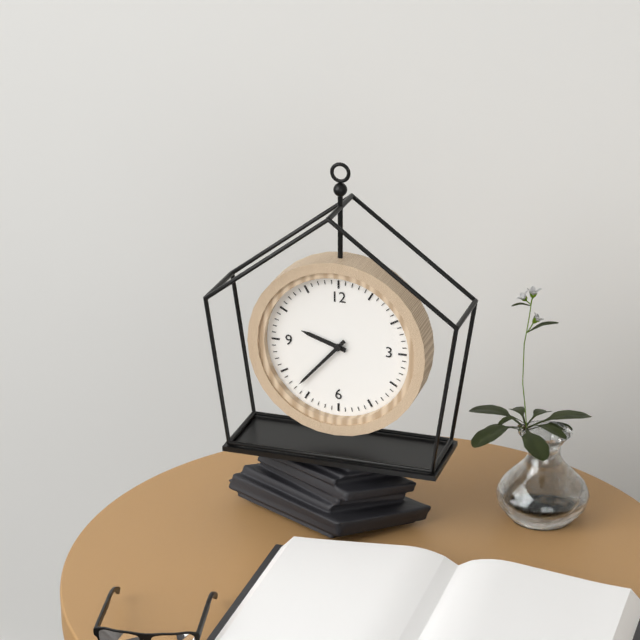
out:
{"hour": 9, "minute": 37}
